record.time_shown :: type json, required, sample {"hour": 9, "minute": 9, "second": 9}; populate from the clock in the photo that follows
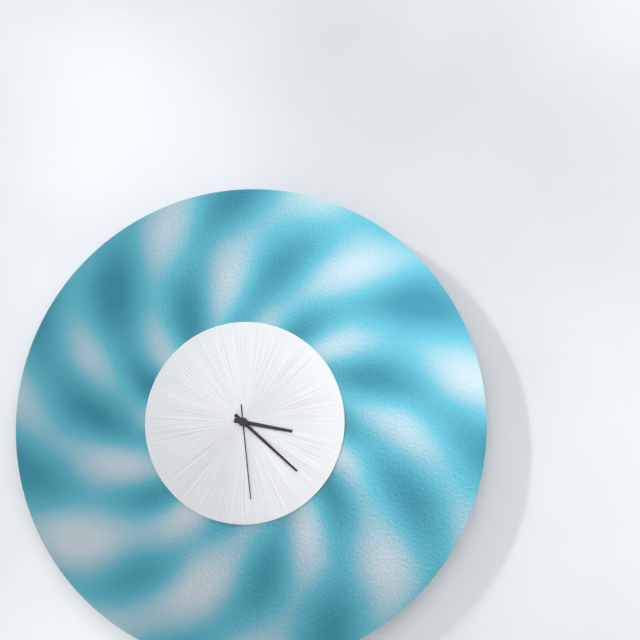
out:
{"hour": 3, "minute": 22, "second": 29}
